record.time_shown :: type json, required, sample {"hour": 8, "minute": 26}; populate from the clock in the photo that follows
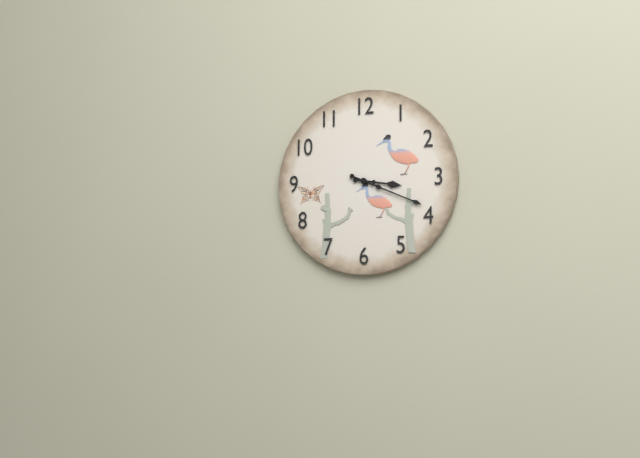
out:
{"hour": 3, "minute": 19}
